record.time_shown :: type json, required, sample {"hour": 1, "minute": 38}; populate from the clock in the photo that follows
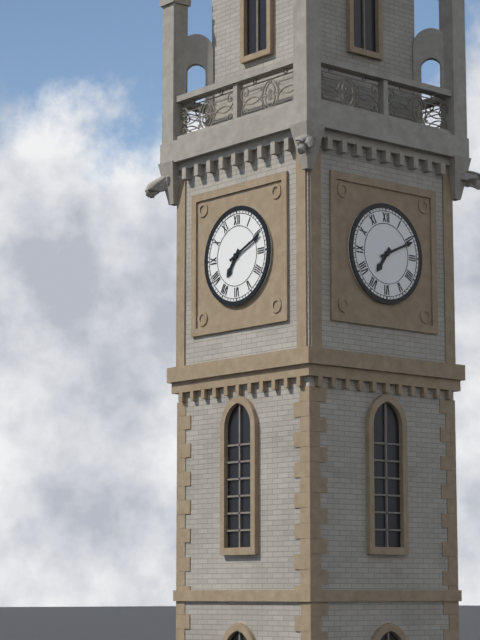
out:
{"hour": 7, "minute": 11}
